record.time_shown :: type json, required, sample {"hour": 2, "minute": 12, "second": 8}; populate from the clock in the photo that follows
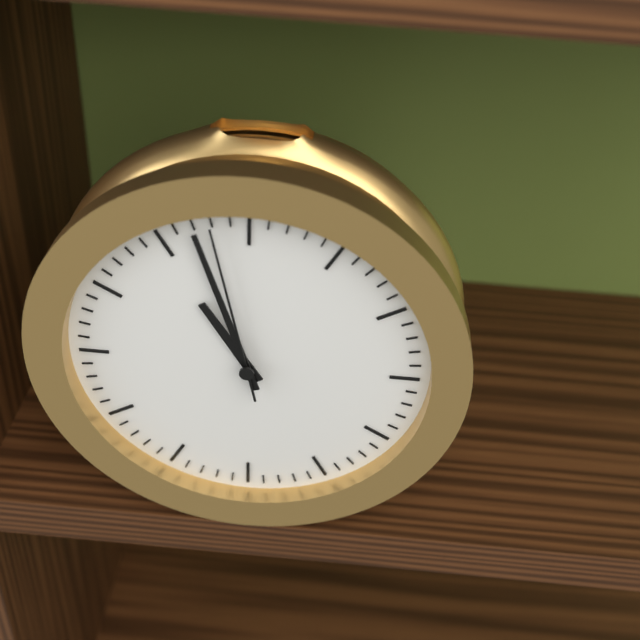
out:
{"hour": 10, "minute": 57, "second": 58}
